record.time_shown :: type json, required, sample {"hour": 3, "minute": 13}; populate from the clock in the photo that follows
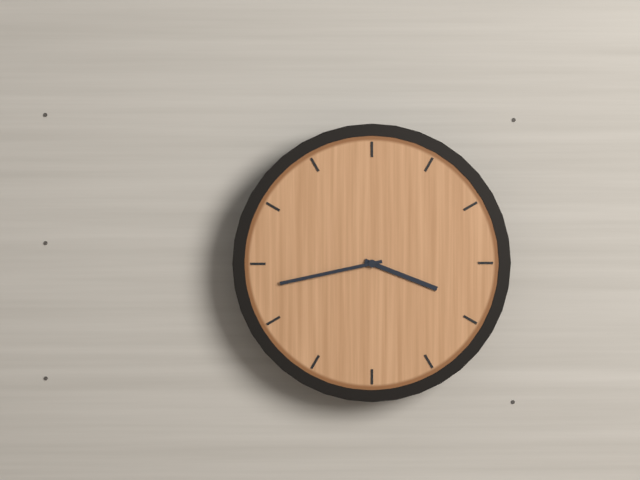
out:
{"hour": 3, "minute": 43}
